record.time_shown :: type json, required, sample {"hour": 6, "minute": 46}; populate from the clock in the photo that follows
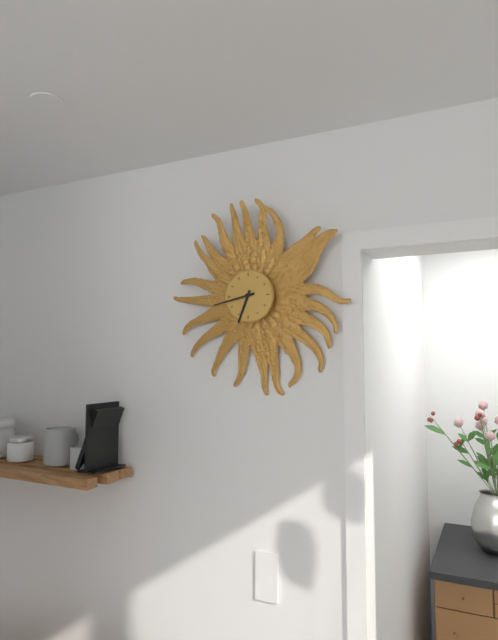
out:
{"hour": 6, "minute": 43}
